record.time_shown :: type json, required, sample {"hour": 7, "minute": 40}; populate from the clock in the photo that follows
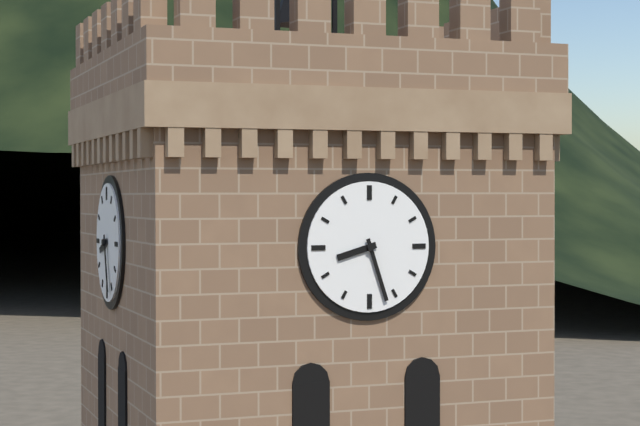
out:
{"hour": 8, "minute": 27}
